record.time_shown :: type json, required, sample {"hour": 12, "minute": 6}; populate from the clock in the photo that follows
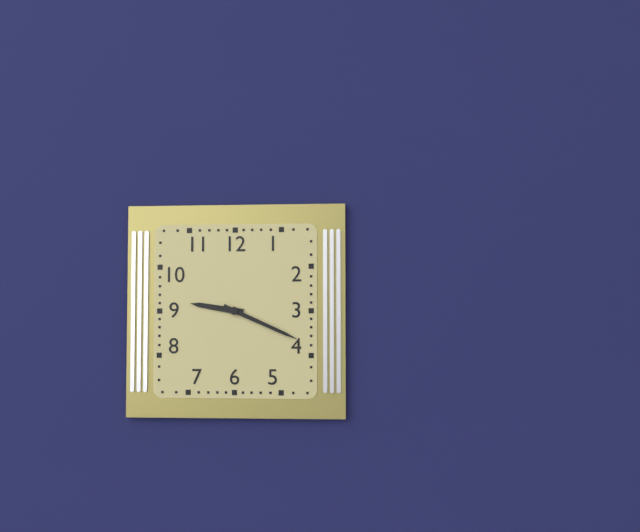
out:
{"hour": 9, "minute": 19}
